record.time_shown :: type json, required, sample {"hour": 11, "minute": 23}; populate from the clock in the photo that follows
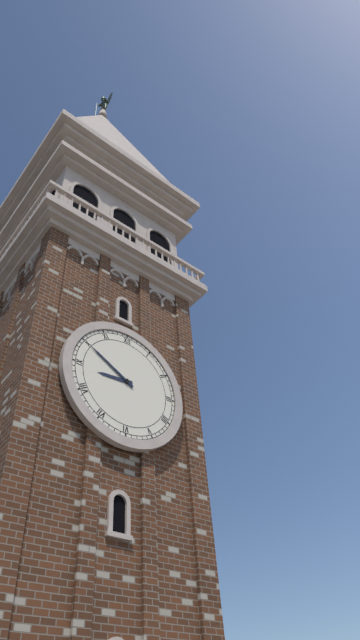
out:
{"hour": 8, "minute": 50}
